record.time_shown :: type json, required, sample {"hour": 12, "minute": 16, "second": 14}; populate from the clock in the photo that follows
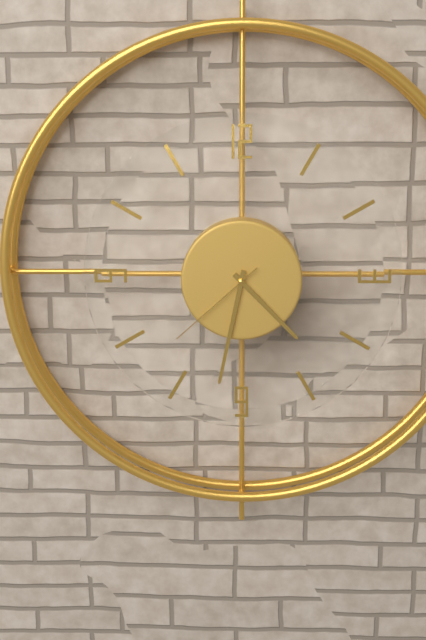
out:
{"hour": 4, "minute": 32, "second": 38}
